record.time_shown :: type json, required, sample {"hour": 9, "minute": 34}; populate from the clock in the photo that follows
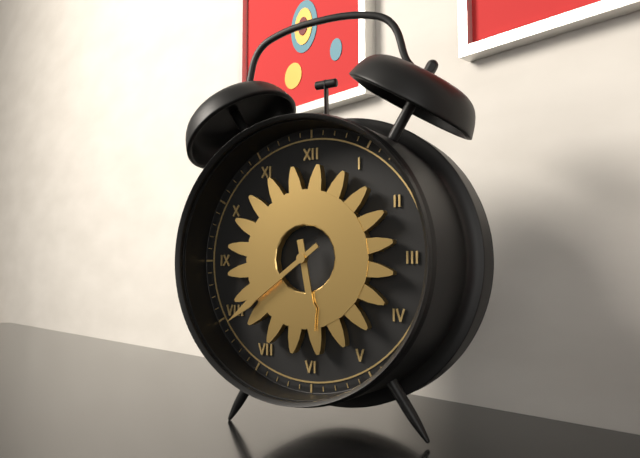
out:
{"hour": 5, "minute": 39}
